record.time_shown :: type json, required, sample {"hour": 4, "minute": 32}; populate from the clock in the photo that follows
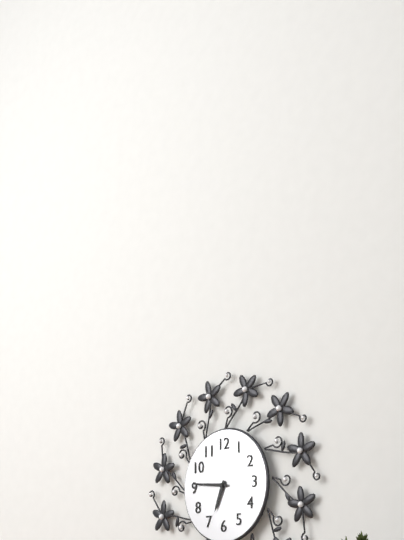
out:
{"hour": 6, "minute": 46}
